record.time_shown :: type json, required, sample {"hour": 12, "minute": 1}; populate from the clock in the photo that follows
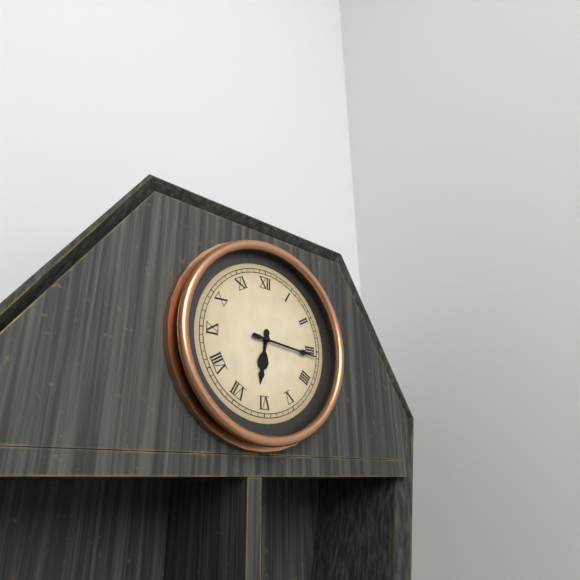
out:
{"hour": 6, "minute": 16}
